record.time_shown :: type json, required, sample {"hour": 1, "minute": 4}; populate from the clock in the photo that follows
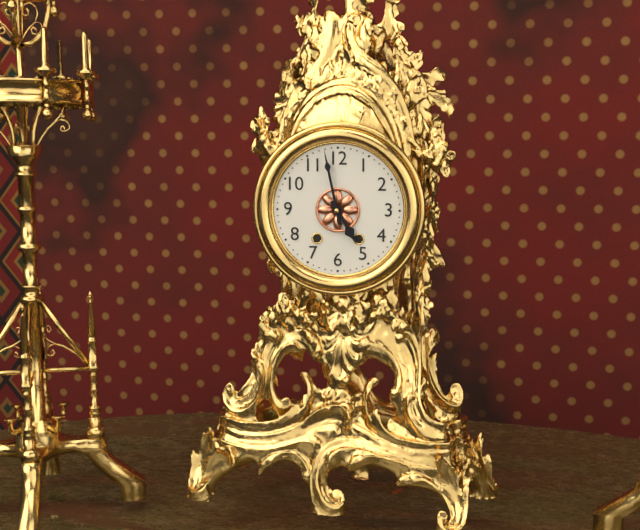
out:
{"hour": 4, "minute": 58}
